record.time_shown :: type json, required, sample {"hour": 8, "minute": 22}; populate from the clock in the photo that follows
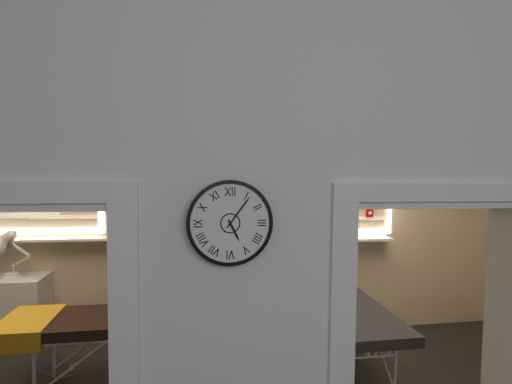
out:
{"hour": 5, "minute": 6}
